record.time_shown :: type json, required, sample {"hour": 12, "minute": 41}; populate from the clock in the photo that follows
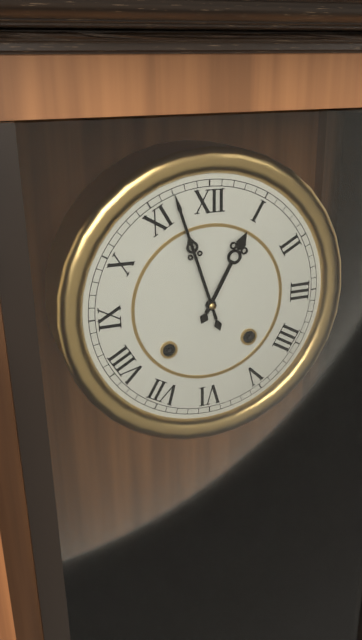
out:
{"hour": 12, "minute": 57}
